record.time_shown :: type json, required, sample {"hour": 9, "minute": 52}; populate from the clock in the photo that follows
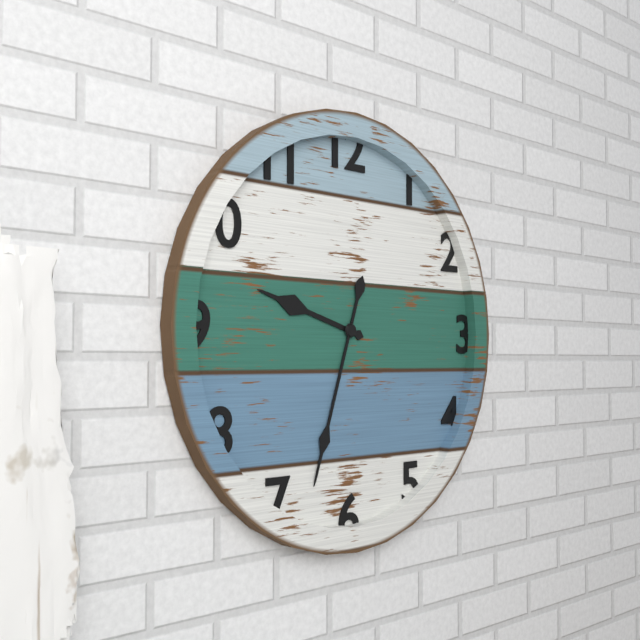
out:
{"hour": 9, "minute": 33}
